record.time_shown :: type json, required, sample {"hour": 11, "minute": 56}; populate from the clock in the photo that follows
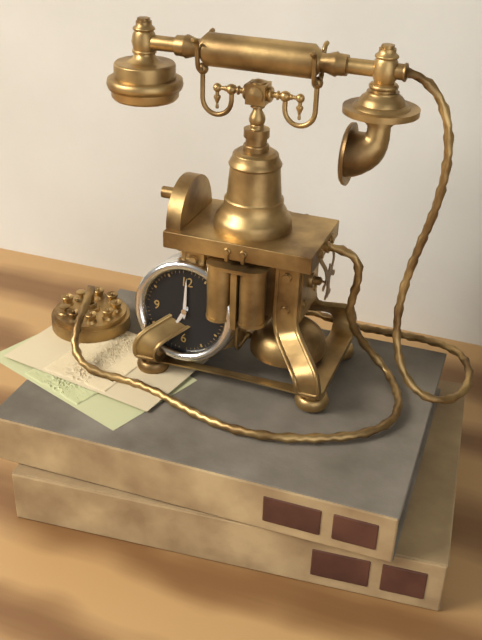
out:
{"hour": 7, "minute": 0}
